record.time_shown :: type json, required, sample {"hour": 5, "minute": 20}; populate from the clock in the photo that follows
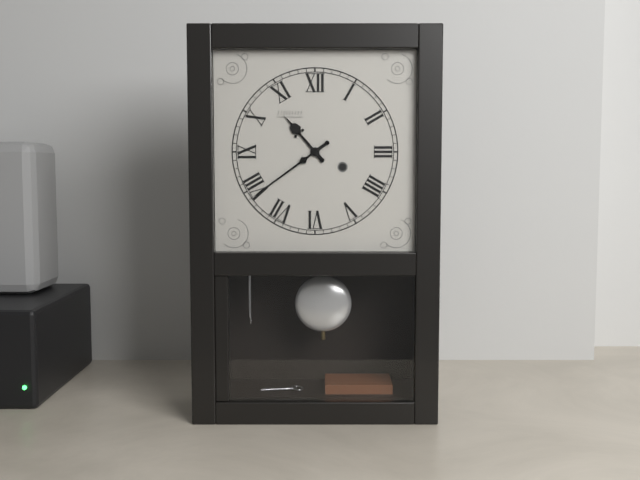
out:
{"hour": 10, "minute": 39}
